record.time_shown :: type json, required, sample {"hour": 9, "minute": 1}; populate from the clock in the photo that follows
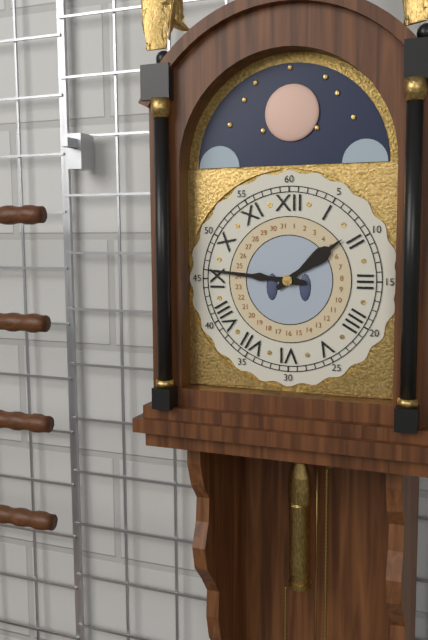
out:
{"hour": 1, "minute": 46}
